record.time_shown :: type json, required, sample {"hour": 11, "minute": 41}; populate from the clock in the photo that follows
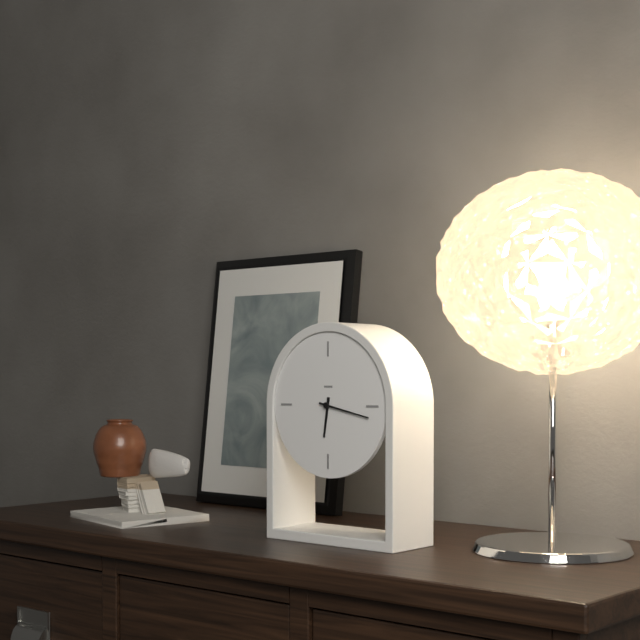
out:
{"hour": 6, "minute": 17}
